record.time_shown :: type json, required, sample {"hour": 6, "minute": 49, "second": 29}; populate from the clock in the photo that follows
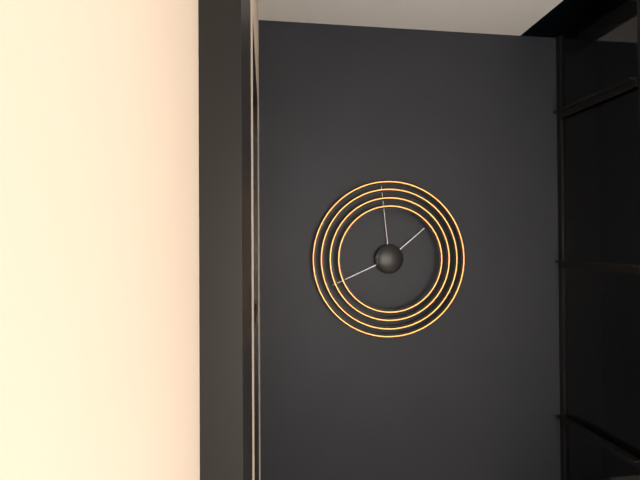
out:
{"hour": 1, "minute": 41, "second": 59}
